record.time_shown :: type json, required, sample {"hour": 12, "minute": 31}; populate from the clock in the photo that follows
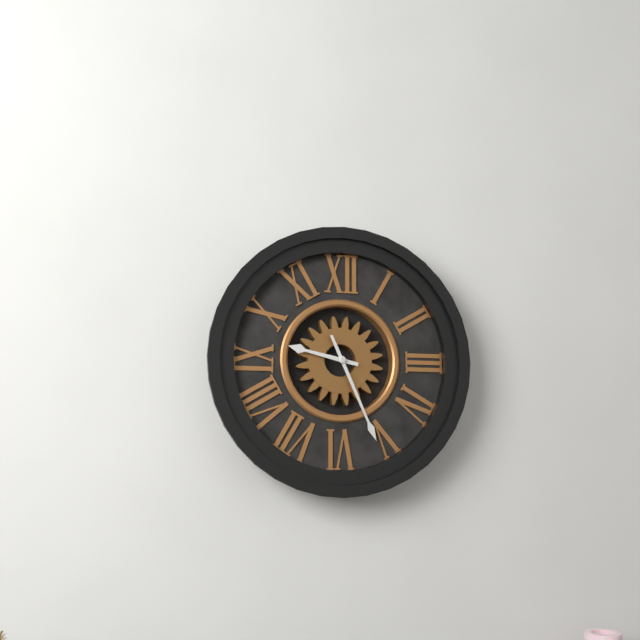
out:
{"hour": 9, "minute": 26}
